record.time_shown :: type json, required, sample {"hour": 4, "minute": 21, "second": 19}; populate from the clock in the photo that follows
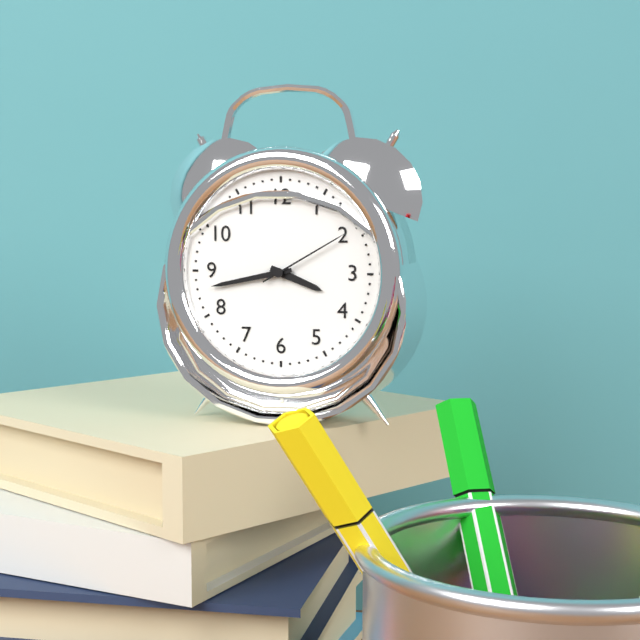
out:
{"hour": 3, "minute": 43, "second": 10}
